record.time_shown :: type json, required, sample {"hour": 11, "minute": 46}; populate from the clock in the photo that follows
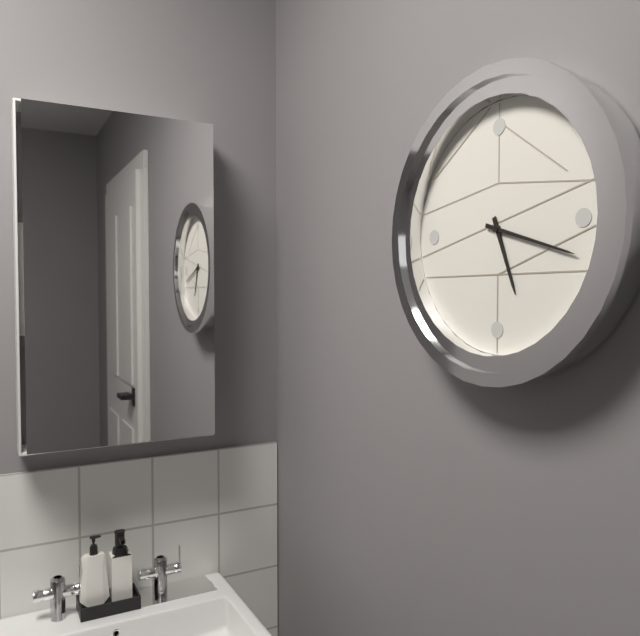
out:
{"hour": 5, "minute": 18}
